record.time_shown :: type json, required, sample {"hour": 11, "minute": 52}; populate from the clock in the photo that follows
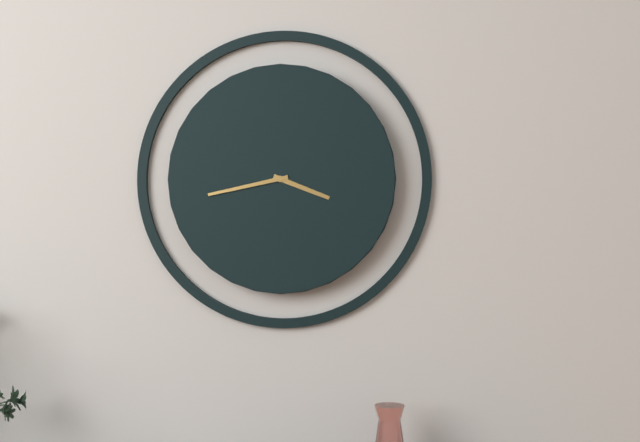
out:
{"hour": 3, "minute": 43}
